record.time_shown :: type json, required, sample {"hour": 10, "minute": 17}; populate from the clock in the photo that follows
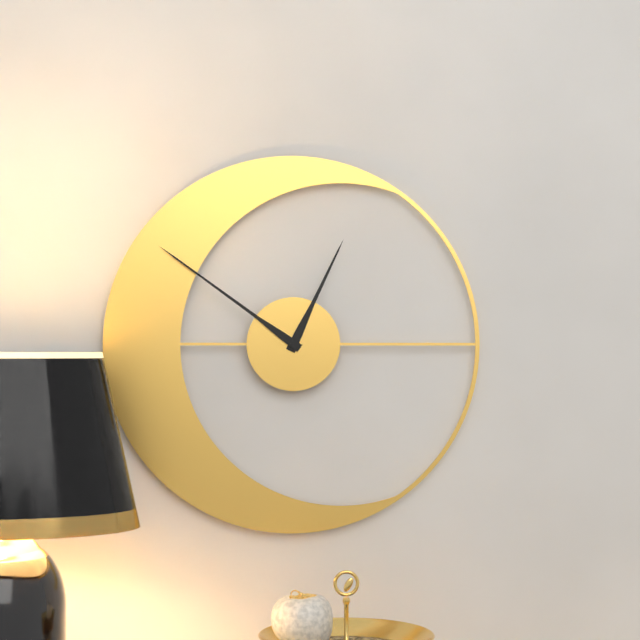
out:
{"hour": 12, "minute": 51}
